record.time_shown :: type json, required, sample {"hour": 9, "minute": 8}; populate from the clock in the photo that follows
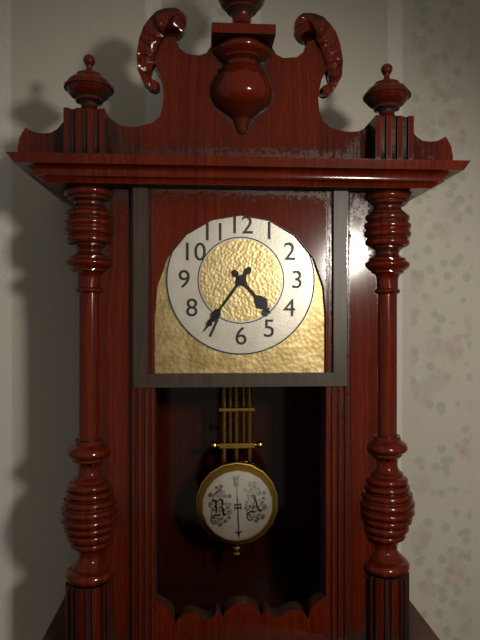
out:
{"hour": 4, "minute": 36}
